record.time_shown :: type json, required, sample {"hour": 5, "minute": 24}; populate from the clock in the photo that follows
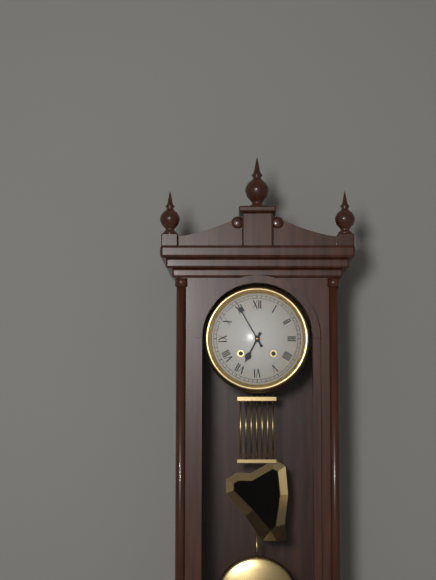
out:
{"hour": 6, "minute": 55}
